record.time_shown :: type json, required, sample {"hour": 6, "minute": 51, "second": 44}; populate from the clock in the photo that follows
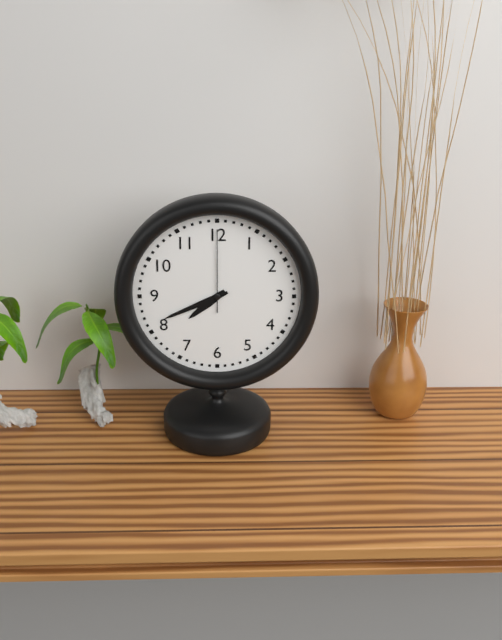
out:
{"hour": 7, "minute": 41, "second": 0}
